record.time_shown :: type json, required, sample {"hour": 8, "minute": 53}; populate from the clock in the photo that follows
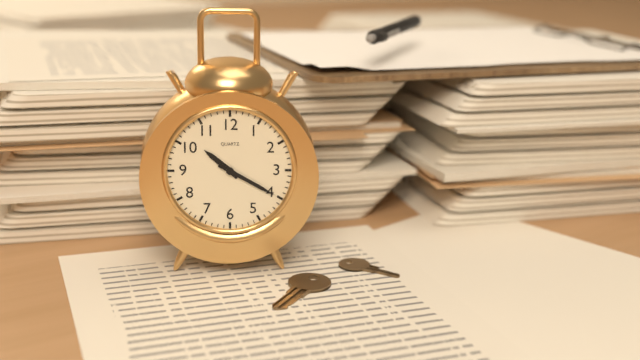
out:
{"hour": 10, "minute": 20}
